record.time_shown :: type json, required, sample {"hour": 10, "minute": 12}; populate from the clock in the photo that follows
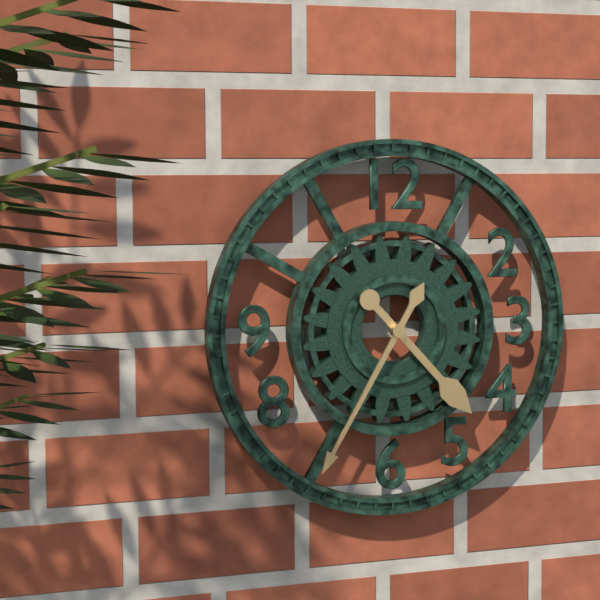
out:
{"hour": 4, "minute": 35}
